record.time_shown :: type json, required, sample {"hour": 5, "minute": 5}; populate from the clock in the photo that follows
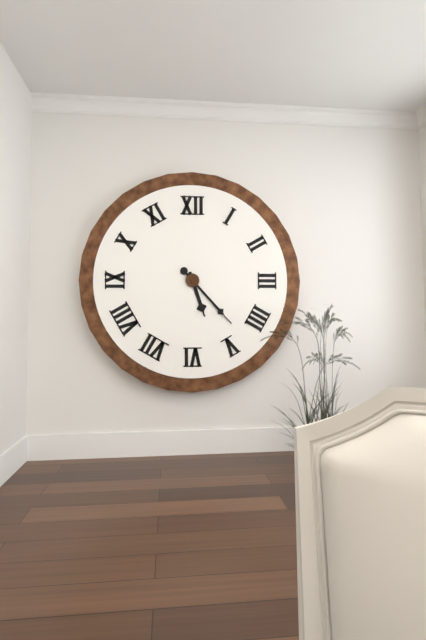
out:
{"hour": 5, "minute": 23}
